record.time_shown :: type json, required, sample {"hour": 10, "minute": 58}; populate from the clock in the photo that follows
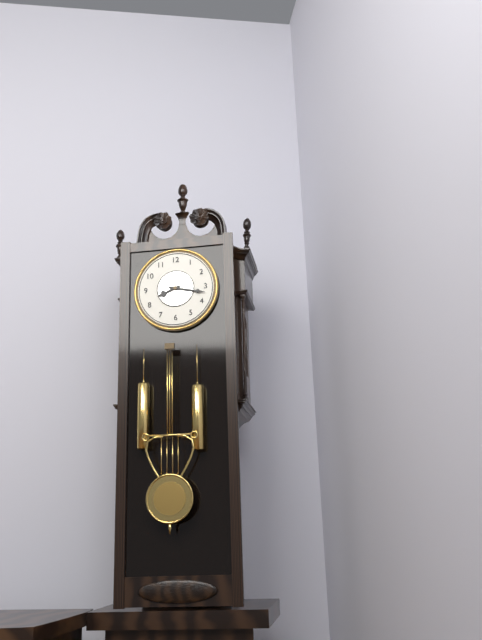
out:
{"hour": 8, "minute": 17}
